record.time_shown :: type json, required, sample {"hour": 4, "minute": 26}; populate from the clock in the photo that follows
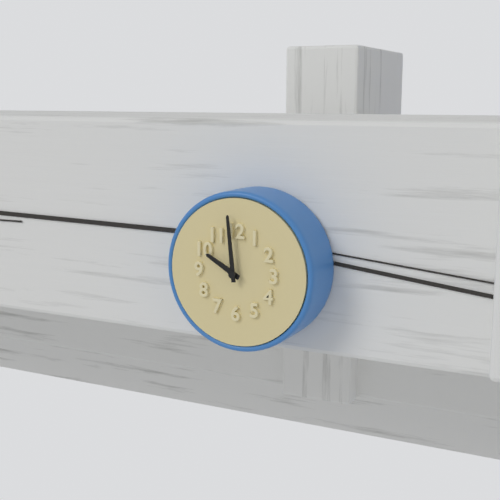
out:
{"hour": 9, "minute": 59}
